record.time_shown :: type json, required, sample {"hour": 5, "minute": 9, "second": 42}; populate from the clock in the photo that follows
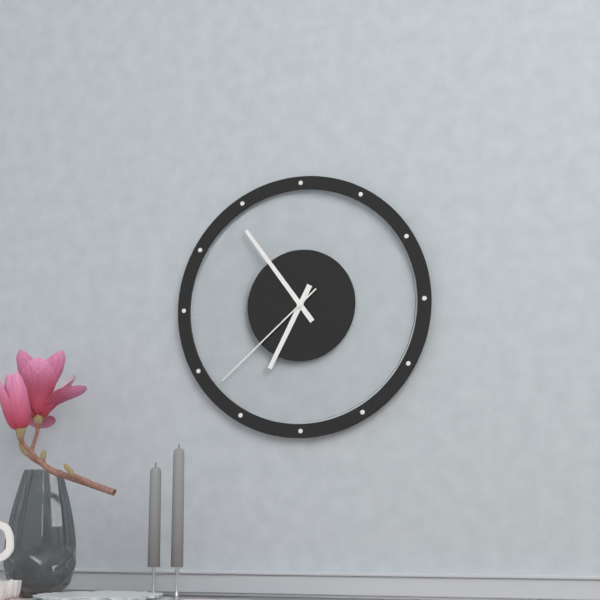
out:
{"hour": 6, "minute": 54, "second": 38}
